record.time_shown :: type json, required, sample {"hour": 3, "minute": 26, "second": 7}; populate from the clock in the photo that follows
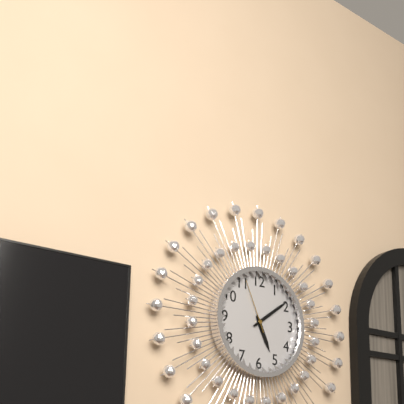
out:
{"hour": 5, "minute": 9, "second": 56}
